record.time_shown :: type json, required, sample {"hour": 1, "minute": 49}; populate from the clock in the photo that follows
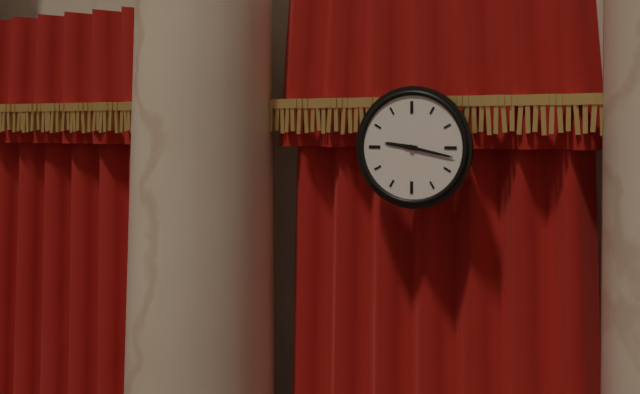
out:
{"hour": 9, "minute": 17}
